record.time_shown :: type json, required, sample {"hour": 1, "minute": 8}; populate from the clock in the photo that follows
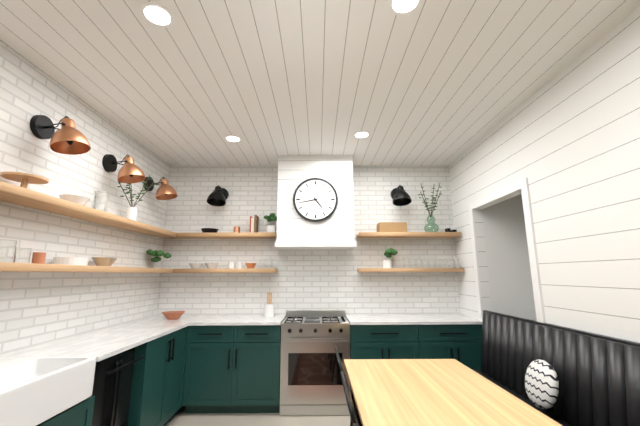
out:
{"hour": 4, "minute": 43}
